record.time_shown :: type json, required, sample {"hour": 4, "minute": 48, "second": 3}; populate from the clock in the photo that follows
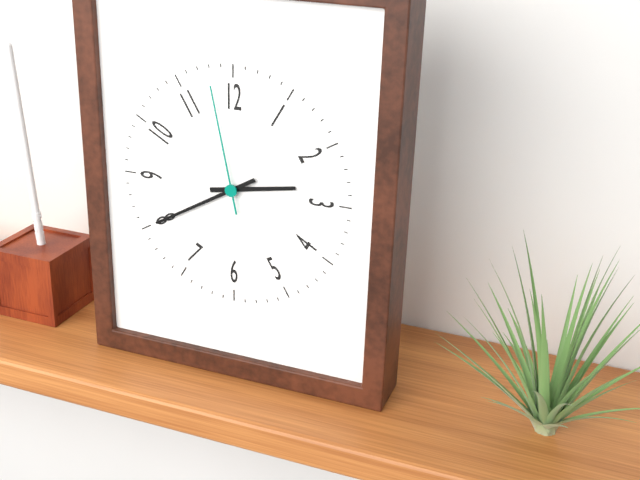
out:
{"hour": 2, "minute": 40, "second": 58}
